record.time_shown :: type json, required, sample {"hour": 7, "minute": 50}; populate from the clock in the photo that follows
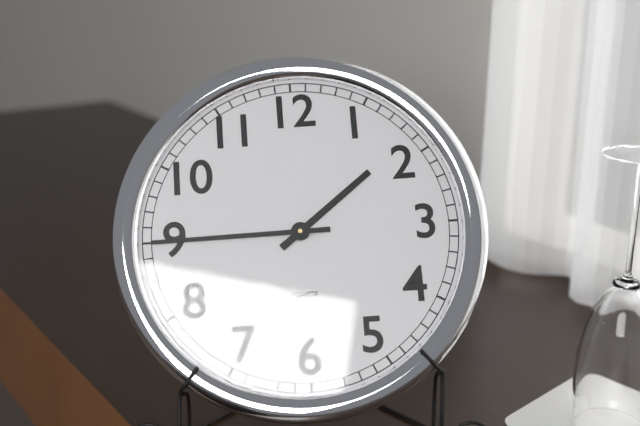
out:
{"hour": 1, "minute": 45}
